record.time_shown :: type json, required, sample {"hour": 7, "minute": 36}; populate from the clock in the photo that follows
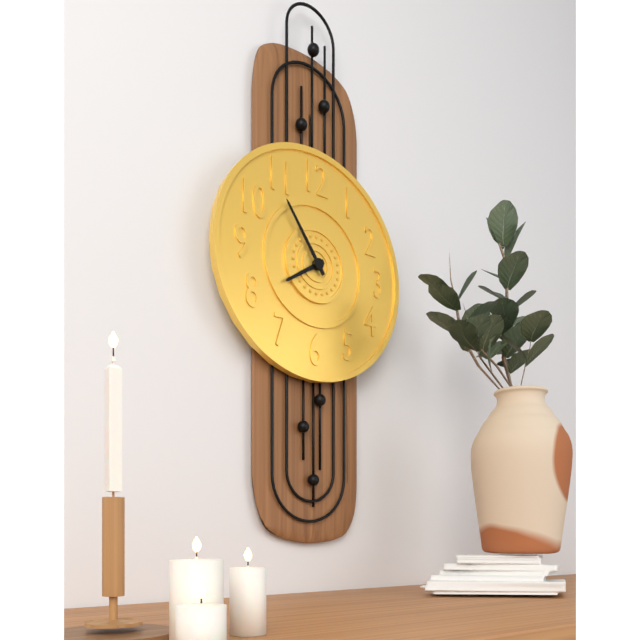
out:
{"hour": 7, "minute": 54}
